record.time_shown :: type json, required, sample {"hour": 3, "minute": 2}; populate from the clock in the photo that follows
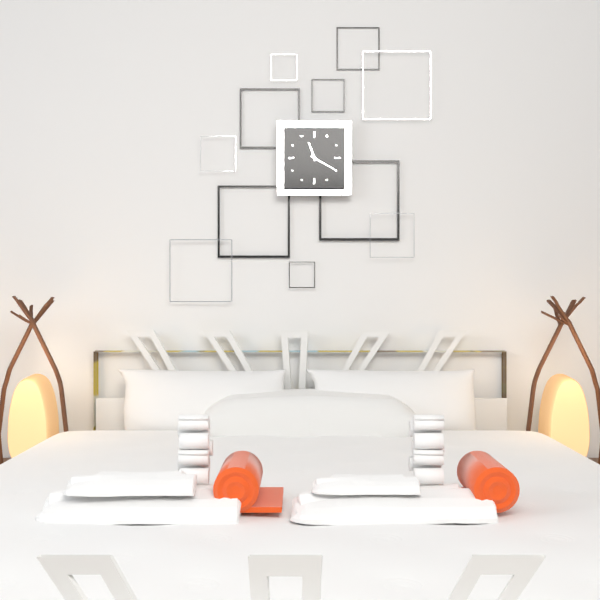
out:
{"hour": 11, "minute": 20}
